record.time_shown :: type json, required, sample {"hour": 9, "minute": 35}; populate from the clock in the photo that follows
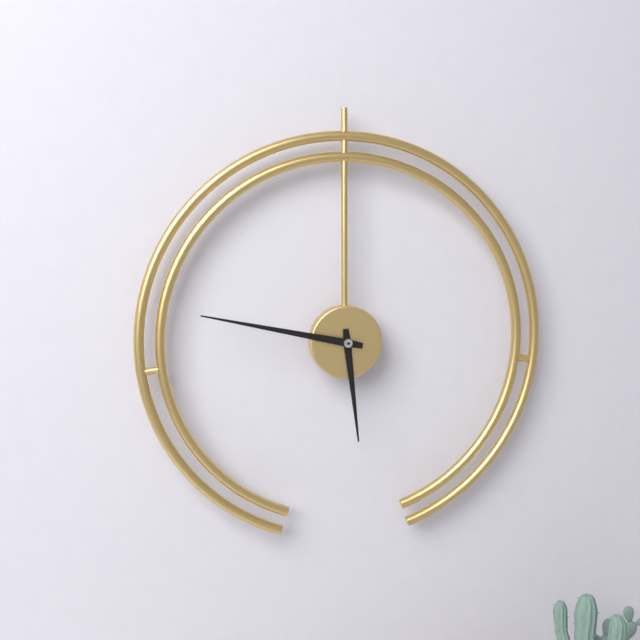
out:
{"hour": 5, "minute": 47}
